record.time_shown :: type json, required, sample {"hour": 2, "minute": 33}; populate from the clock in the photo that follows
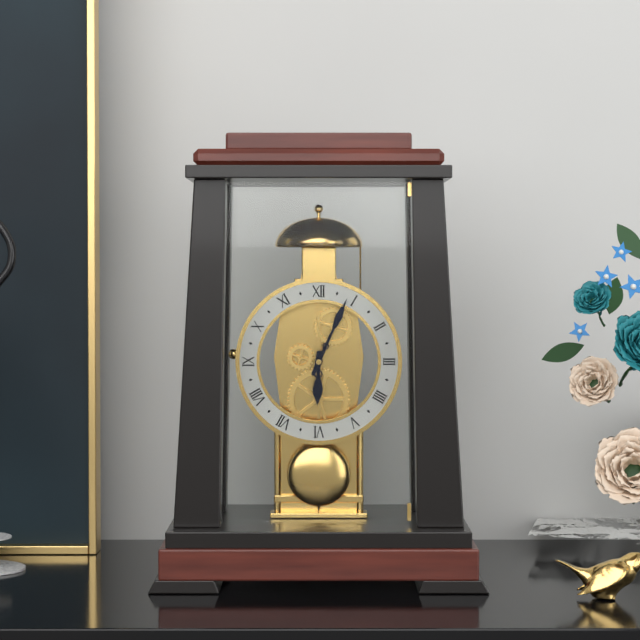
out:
{"hour": 6, "minute": 4}
